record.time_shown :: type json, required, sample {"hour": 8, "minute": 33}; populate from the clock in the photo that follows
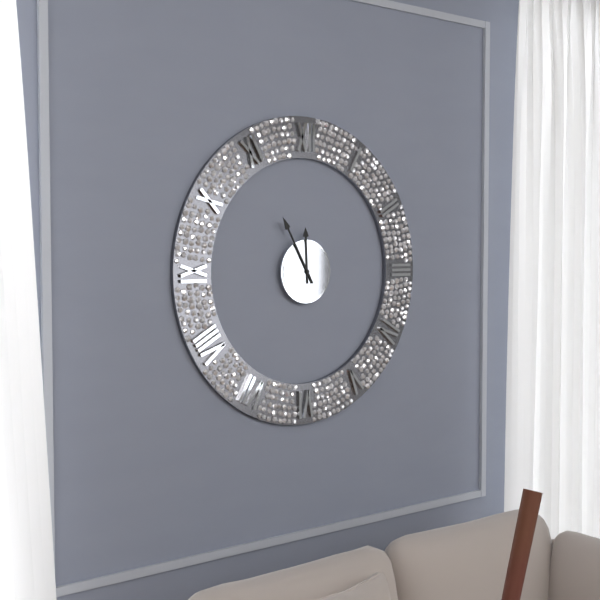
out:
{"hour": 11, "minute": 55}
